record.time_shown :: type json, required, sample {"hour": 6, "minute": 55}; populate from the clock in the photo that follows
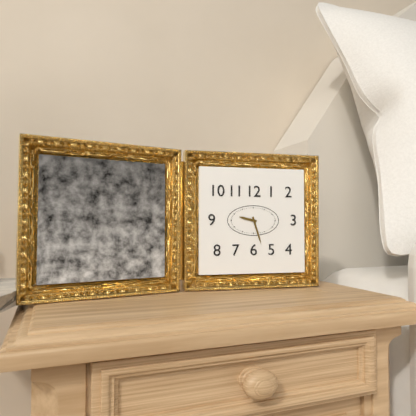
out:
{"hour": 9, "minute": 27}
